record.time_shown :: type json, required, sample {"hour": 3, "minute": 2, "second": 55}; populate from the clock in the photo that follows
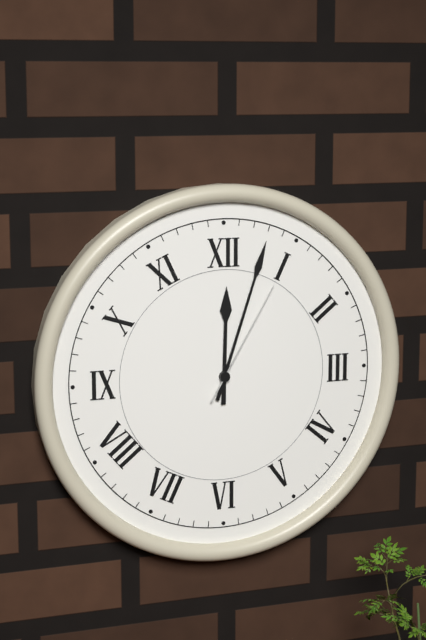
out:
{"hour": 12, "minute": 3, "second": 5}
